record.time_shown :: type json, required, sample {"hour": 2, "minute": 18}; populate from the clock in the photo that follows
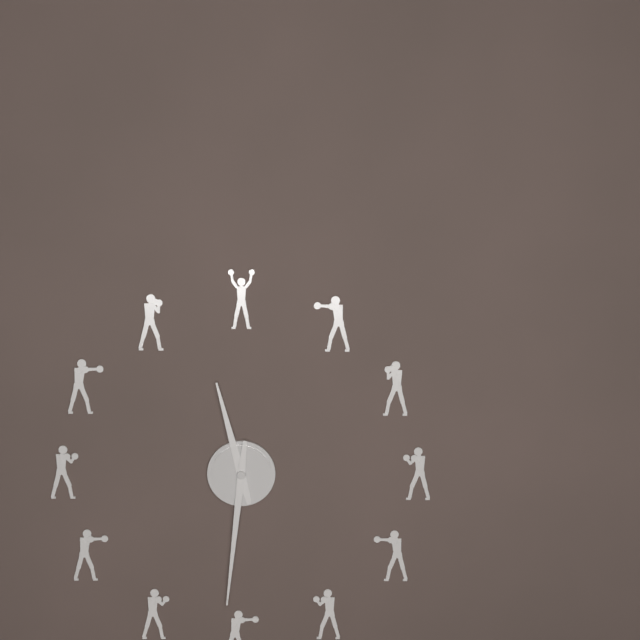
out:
{"hour": 11, "minute": 31}
